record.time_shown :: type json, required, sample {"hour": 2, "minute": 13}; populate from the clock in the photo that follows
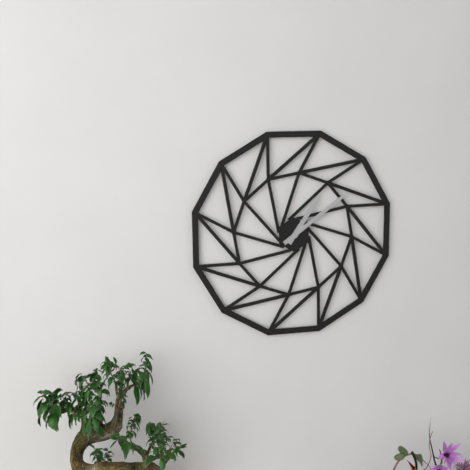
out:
{"hour": 1, "minute": 9}
